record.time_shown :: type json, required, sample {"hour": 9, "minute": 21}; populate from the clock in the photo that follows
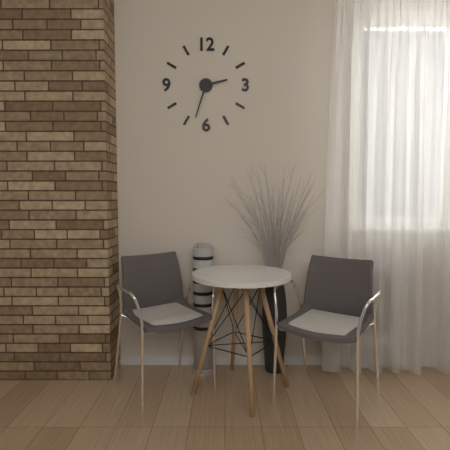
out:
{"hour": 2, "minute": 33}
